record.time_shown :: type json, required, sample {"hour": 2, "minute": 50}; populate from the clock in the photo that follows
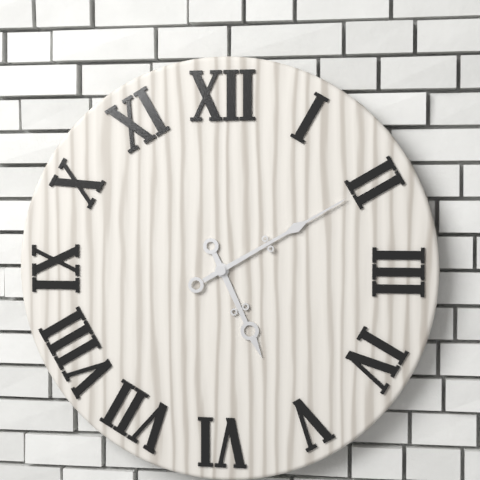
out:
{"hour": 5, "minute": 10}
